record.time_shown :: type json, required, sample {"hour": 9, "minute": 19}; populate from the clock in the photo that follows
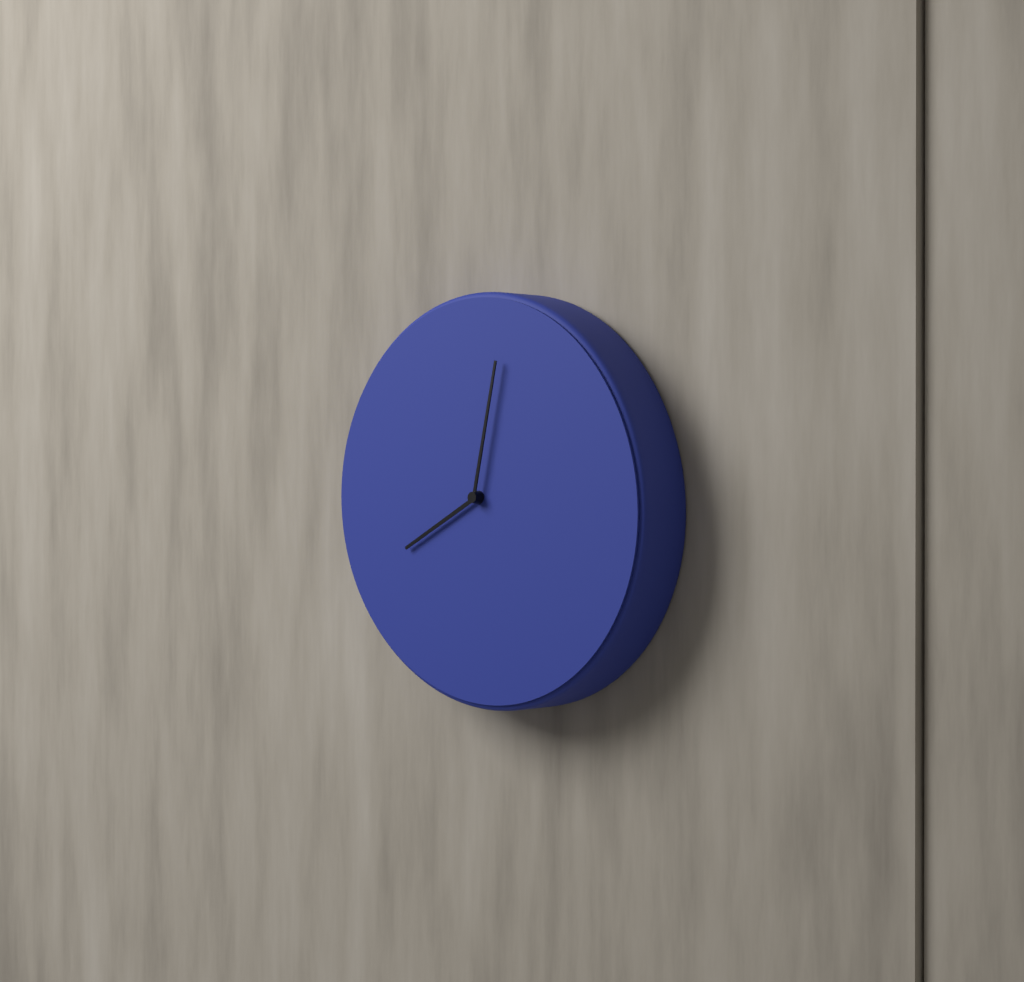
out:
{"hour": 8, "minute": 2}
